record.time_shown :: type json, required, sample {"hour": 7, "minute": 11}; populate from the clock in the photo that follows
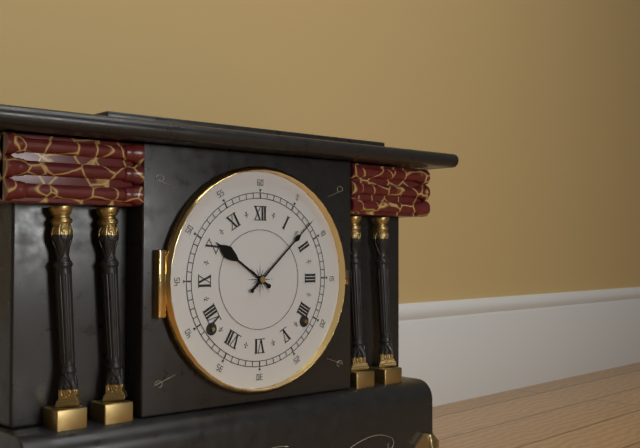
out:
{"hour": 10, "minute": 8}
